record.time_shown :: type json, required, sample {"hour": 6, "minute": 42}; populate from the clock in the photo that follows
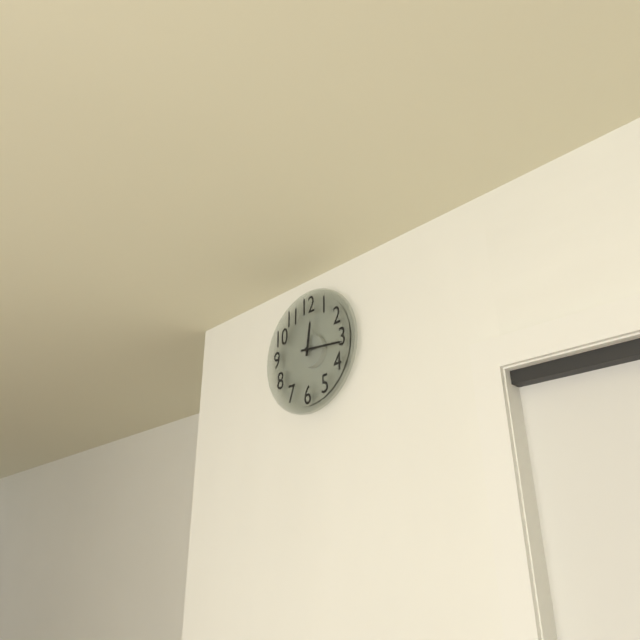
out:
{"hour": 12, "minute": 16}
